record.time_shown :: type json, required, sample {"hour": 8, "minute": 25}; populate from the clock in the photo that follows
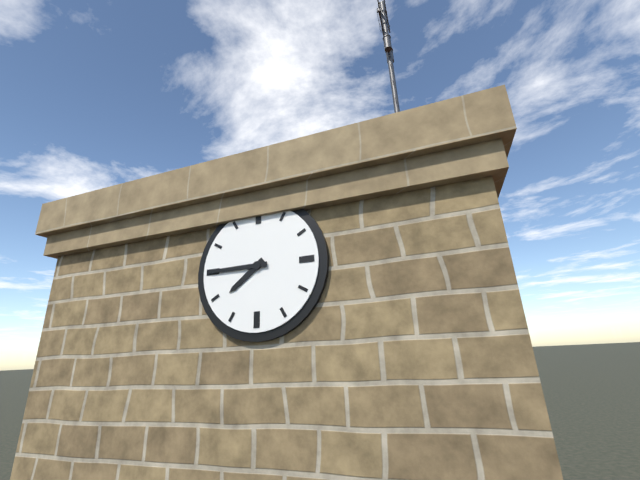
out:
{"hour": 7, "minute": 45}
